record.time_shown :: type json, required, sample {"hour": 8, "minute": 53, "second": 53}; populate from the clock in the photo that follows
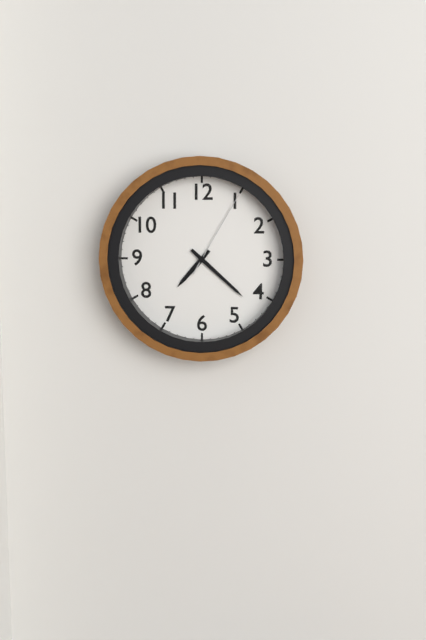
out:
{"hour": 7, "minute": 22, "second": 5}
